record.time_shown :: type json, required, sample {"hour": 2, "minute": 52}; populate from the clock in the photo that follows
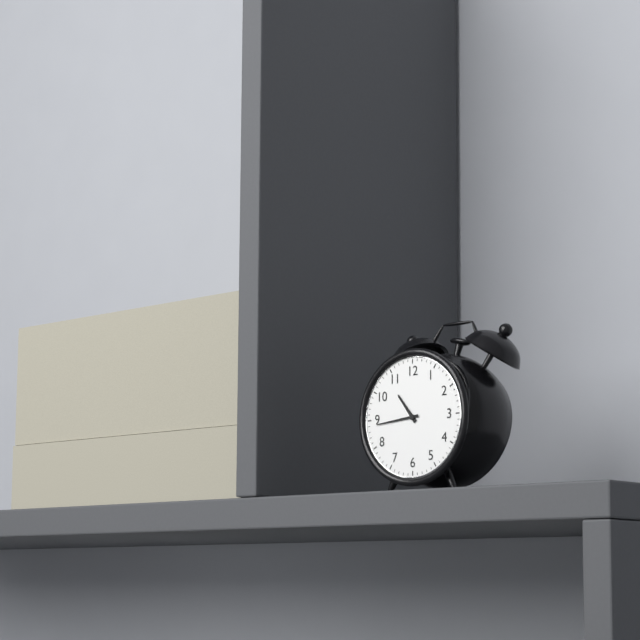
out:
{"hour": 10, "minute": 44}
